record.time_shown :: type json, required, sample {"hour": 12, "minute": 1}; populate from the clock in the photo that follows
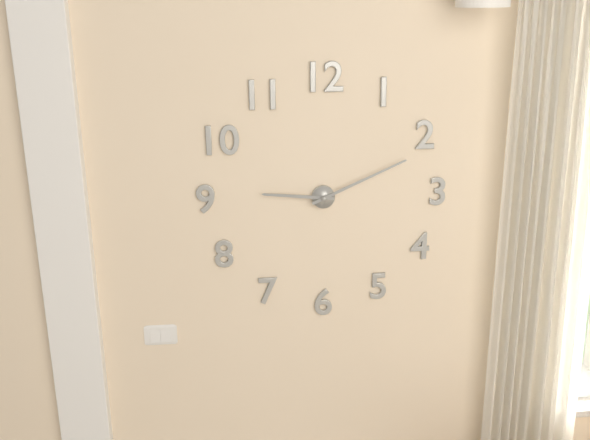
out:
{"hour": 9, "minute": 11}
